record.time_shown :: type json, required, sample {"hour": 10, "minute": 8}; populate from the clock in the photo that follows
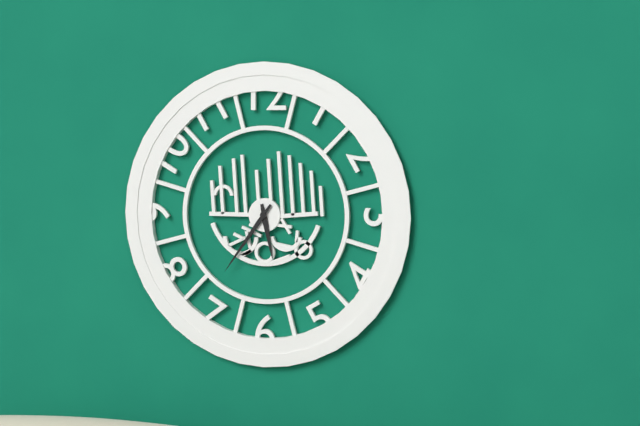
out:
{"hour": 5, "minute": 36}
